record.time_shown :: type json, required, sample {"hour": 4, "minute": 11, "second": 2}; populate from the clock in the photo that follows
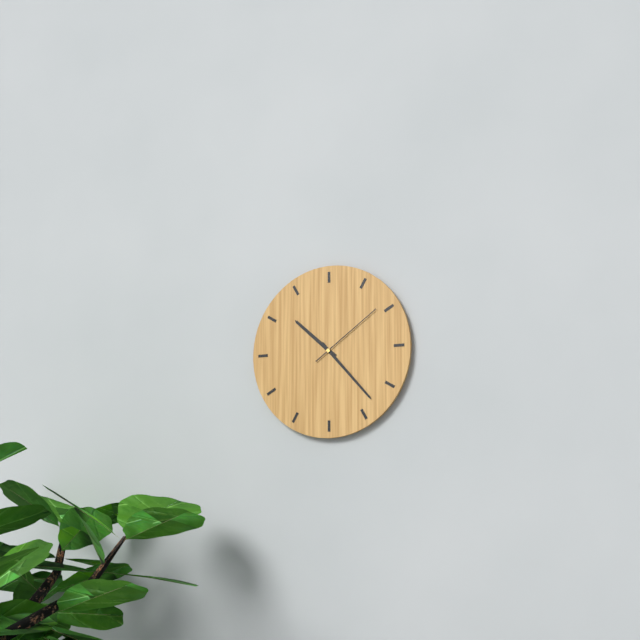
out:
{"hour": 10, "minute": 23, "second": 9}
